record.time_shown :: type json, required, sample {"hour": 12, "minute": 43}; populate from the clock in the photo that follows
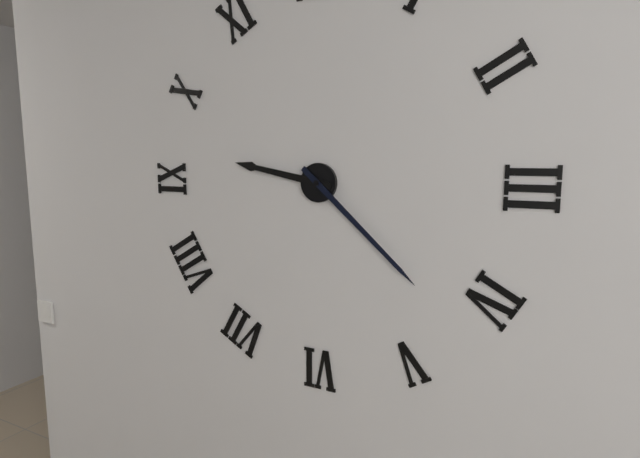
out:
{"hour": 9, "minute": 22}
